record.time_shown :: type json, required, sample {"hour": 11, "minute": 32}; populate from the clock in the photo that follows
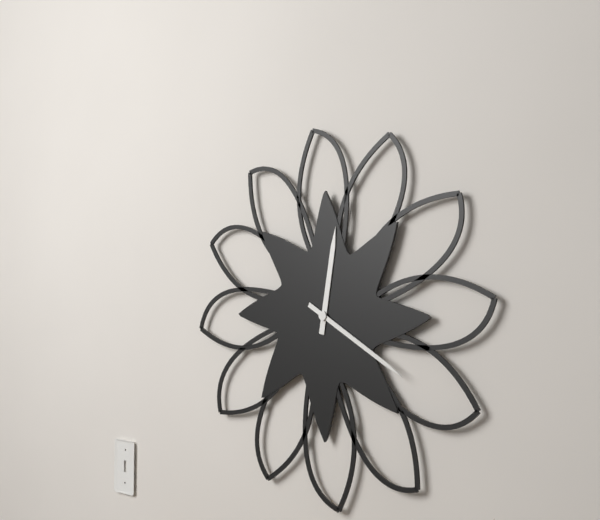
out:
{"hour": 12, "minute": 20}
